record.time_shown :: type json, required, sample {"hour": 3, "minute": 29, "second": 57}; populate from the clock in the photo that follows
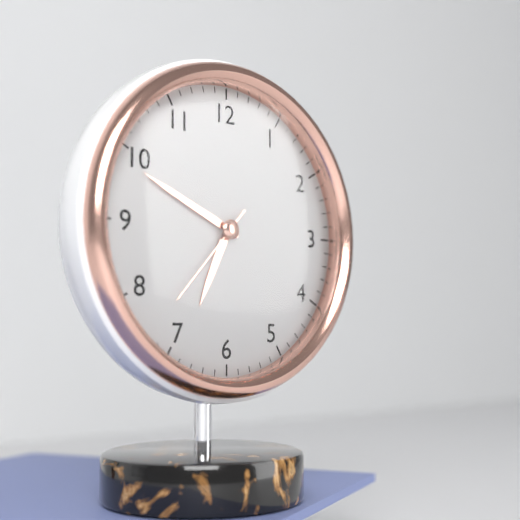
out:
{"hour": 6, "minute": 49, "second": 37}
